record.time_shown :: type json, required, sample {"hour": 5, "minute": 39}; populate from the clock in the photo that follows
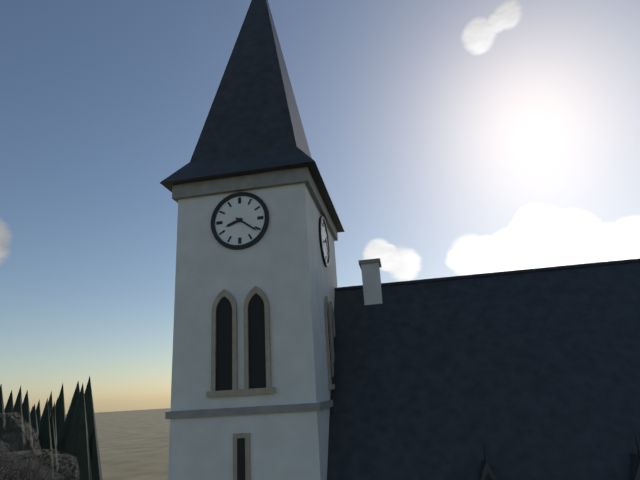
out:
{"hour": 8, "minute": 21}
